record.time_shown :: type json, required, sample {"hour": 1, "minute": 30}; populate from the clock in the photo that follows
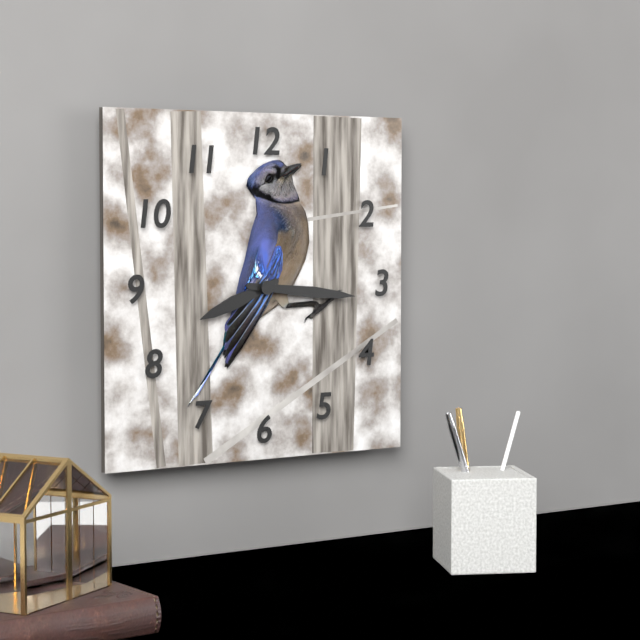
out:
{"hour": 8, "minute": 16}
